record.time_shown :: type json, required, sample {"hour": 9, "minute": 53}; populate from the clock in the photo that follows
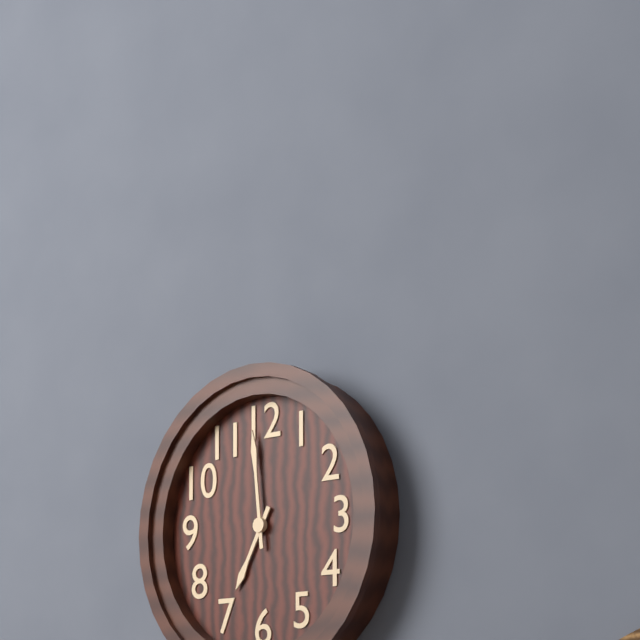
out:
{"hour": 6, "minute": 59}
